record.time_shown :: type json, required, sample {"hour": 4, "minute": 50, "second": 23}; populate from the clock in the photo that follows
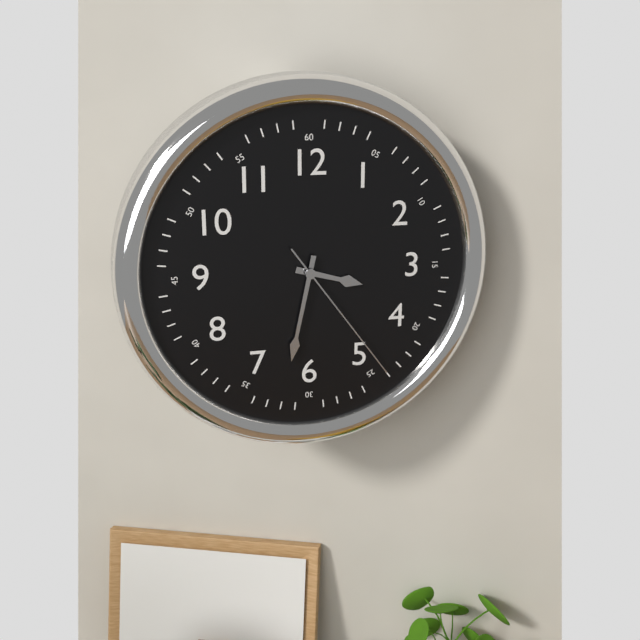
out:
{"hour": 3, "minute": 32, "second": 24}
